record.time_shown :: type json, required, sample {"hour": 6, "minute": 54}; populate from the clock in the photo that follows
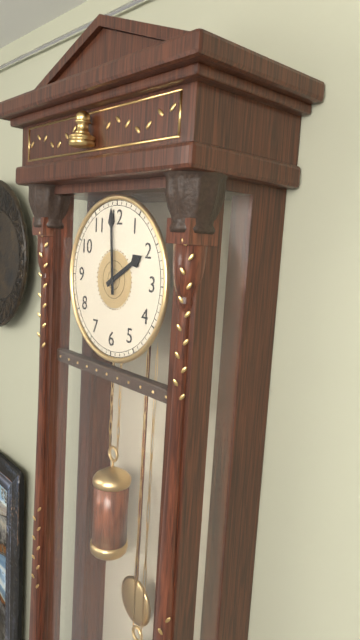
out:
{"hour": 1, "minute": 59}
